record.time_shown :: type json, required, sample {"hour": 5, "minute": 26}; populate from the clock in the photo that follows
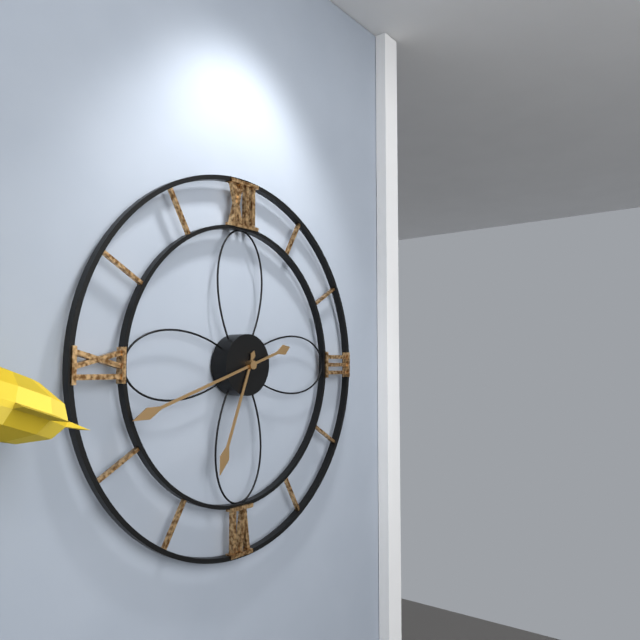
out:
{"hour": 6, "minute": 42}
